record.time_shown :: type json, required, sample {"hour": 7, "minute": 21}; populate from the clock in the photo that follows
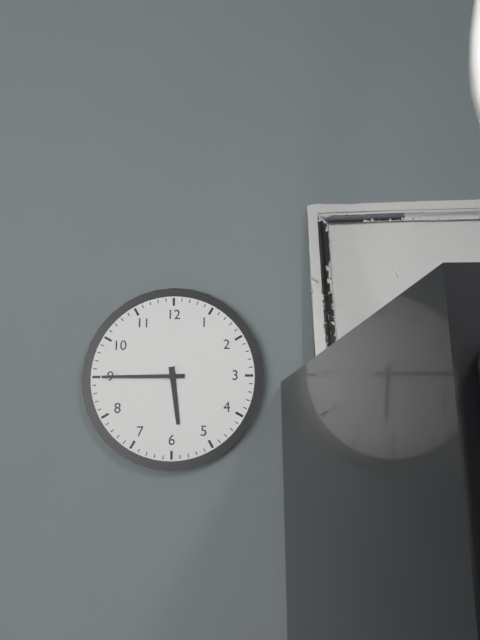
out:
{"hour": 5, "minute": 45}
